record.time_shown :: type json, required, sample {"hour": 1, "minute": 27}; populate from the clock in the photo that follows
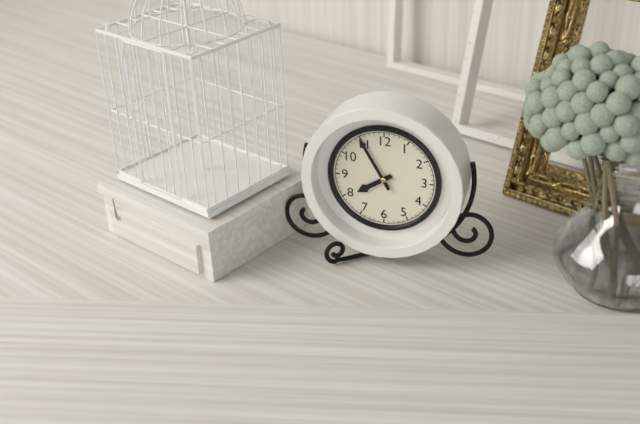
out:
{"hour": 7, "minute": 55}
